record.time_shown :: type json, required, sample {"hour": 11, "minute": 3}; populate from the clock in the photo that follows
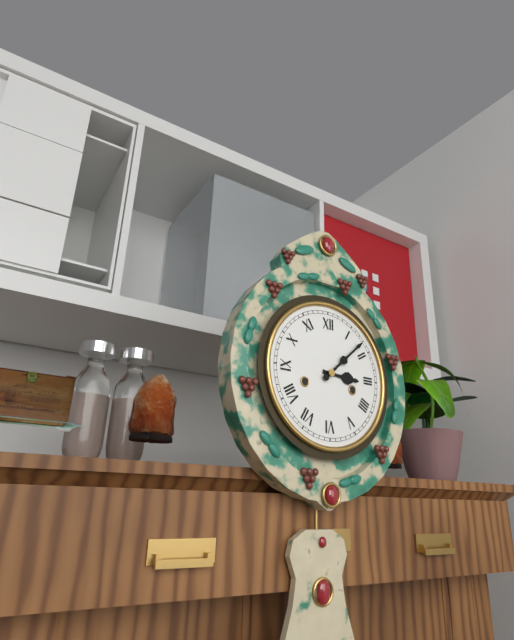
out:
{"hour": 3, "minute": 8}
